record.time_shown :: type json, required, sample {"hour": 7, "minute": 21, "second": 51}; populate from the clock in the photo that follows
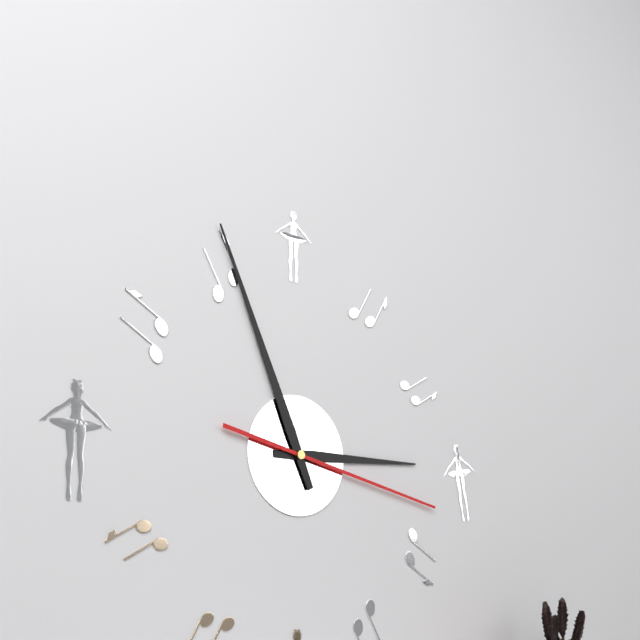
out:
{"hour": 2, "minute": 56, "second": 17}
